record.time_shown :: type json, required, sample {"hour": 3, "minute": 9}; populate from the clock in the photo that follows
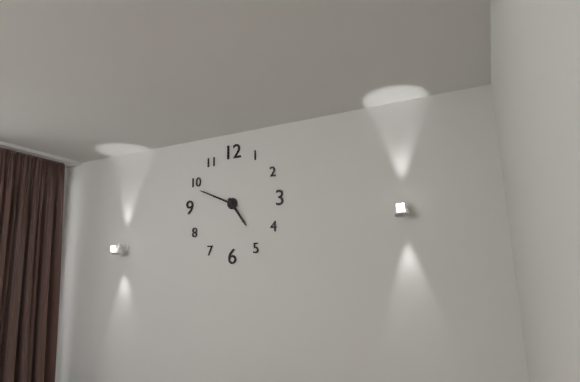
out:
{"hour": 4, "minute": 49}
